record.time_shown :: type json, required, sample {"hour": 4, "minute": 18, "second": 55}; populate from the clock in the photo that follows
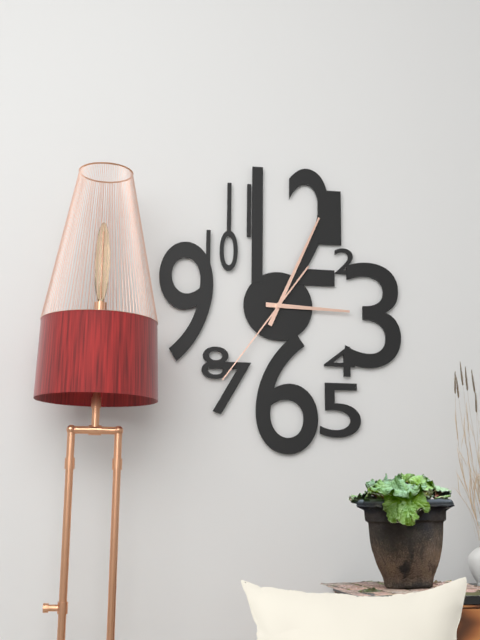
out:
{"hour": 3, "minute": 4, "second": 36}
